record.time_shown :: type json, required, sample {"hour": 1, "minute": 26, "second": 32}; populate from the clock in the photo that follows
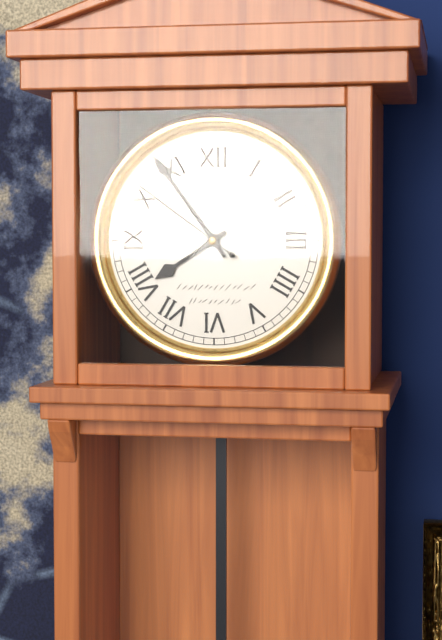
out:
{"hour": 7, "minute": 54, "second": 51}
